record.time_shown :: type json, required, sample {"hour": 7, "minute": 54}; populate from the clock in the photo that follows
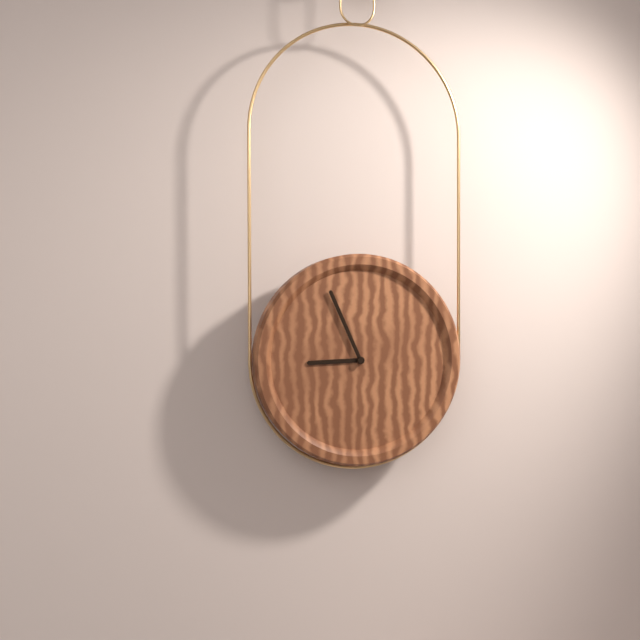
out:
{"hour": 8, "minute": 56}
